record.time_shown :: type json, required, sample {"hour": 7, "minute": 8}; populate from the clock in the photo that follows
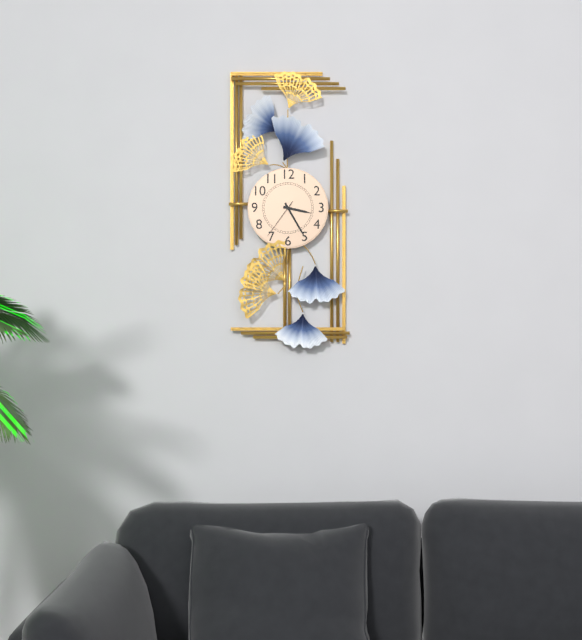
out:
{"hour": 3, "minute": 25}
